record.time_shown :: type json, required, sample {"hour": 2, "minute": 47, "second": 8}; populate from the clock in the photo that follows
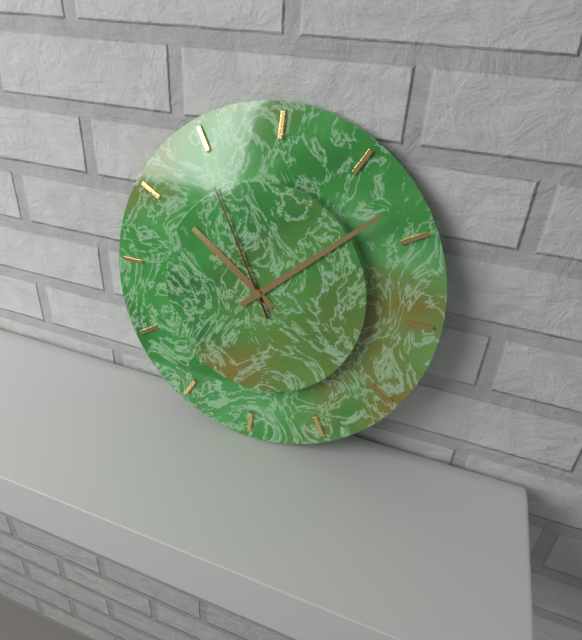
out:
{"hour": 10, "minute": 8, "second": 55}
